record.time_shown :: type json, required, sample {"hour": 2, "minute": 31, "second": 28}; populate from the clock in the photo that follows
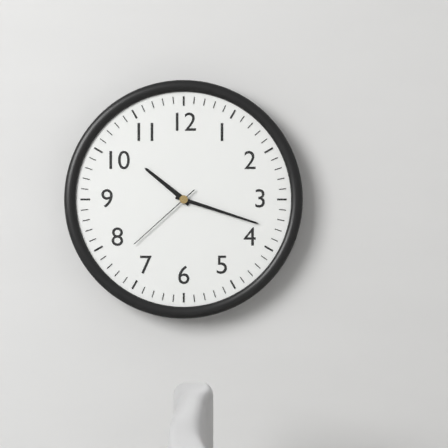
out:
{"hour": 10, "minute": 18, "second": 38}
